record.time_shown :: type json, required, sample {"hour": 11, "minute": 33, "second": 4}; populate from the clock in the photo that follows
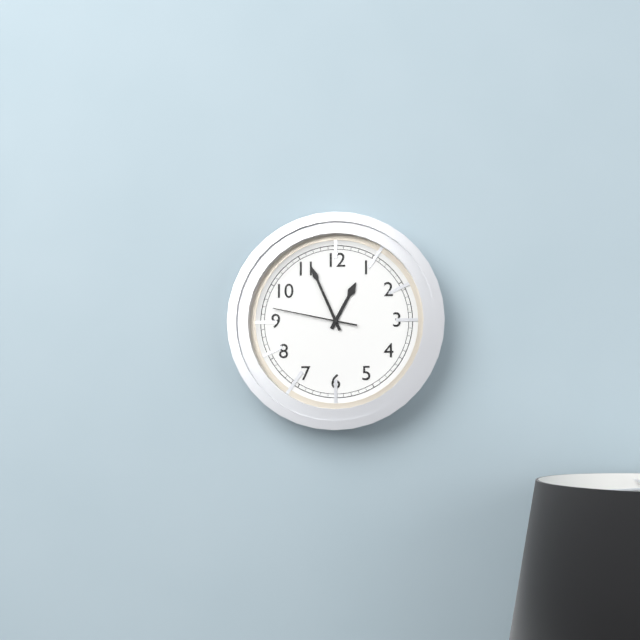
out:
{"hour": 12, "minute": 56, "second": 47}
